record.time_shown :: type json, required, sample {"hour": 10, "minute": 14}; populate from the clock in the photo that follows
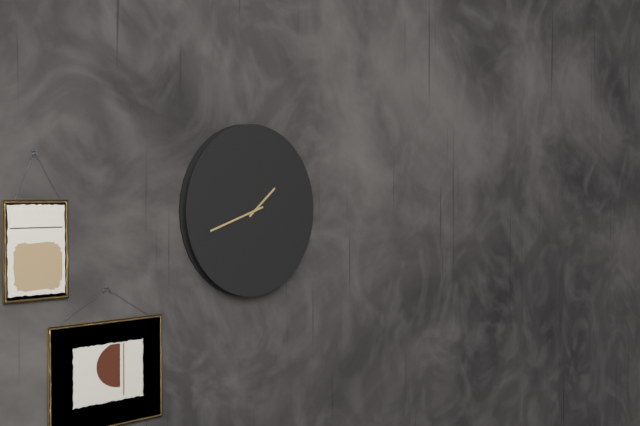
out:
{"hour": 1, "minute": 42}
